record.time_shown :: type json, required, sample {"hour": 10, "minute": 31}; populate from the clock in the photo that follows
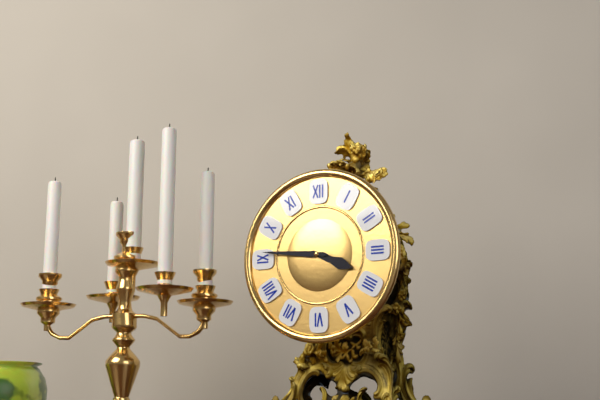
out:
{"hour": 3, "minute": 46}
